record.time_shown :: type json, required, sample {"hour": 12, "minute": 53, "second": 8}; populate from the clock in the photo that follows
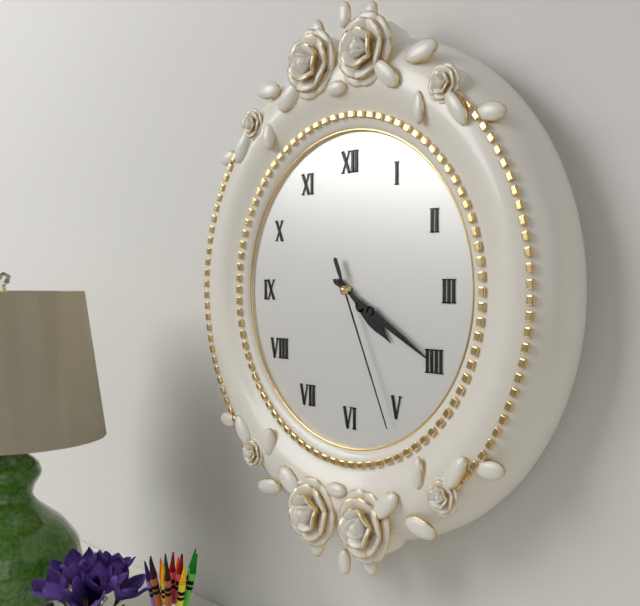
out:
{"hour": 4, "minute": 20, "second": 26}
